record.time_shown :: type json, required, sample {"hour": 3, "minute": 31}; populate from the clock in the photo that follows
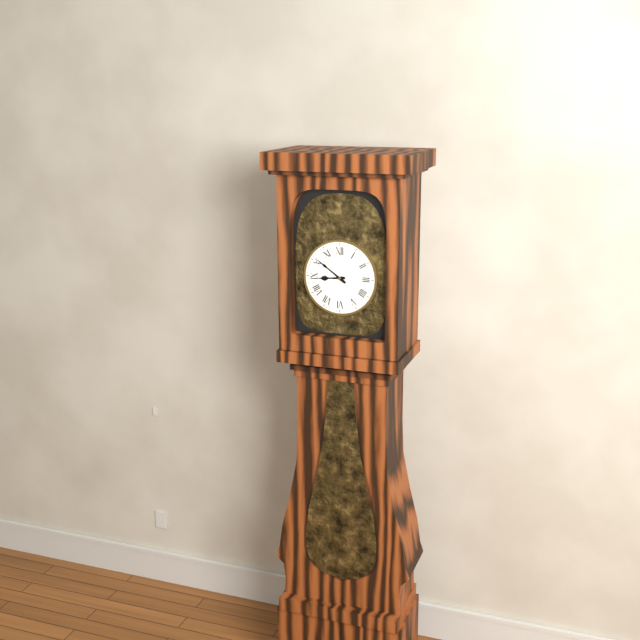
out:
{"hour": 8, "minute": 51}
